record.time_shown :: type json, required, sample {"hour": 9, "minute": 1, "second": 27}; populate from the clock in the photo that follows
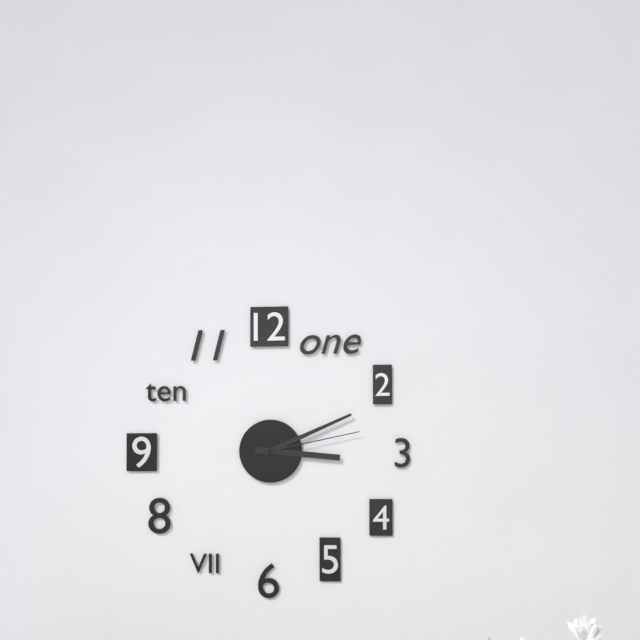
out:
{"hour": 3, "minute": 11, "second": 13}
